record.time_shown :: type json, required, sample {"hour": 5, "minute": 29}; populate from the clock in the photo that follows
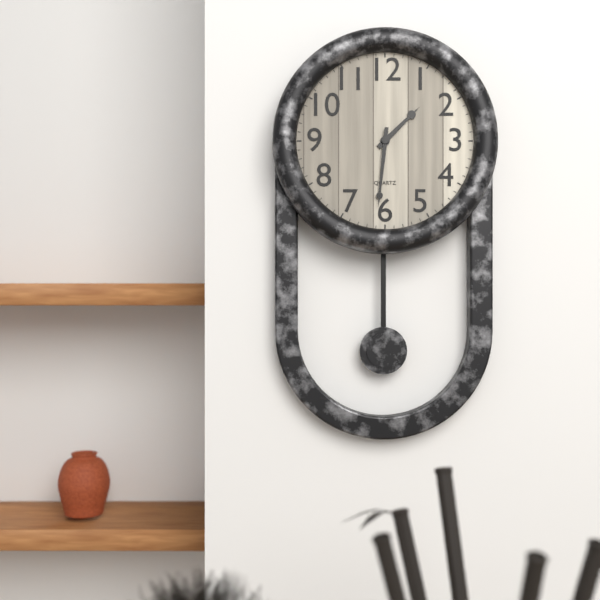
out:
{"hour": 1, "minute": 31}
